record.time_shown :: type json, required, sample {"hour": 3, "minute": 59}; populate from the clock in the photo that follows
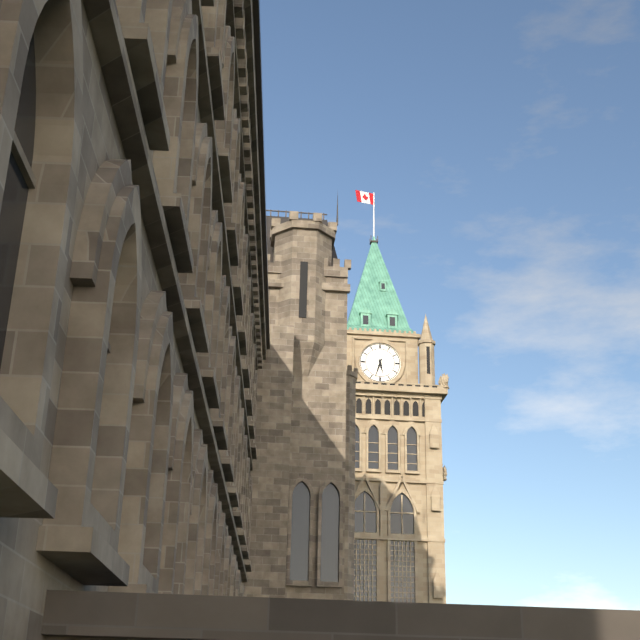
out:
{"hour": 5, "minute": 33}
